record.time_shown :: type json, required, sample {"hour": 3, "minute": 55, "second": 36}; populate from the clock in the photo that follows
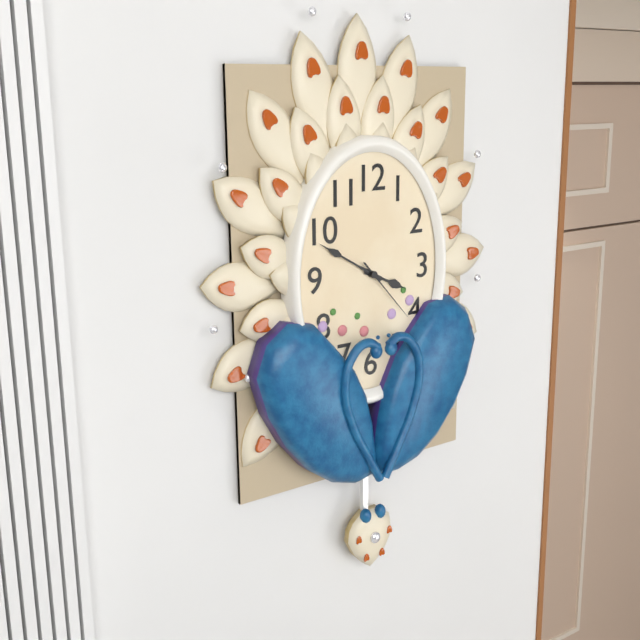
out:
{"hour": 3, "minute": 50, "second": 23}
